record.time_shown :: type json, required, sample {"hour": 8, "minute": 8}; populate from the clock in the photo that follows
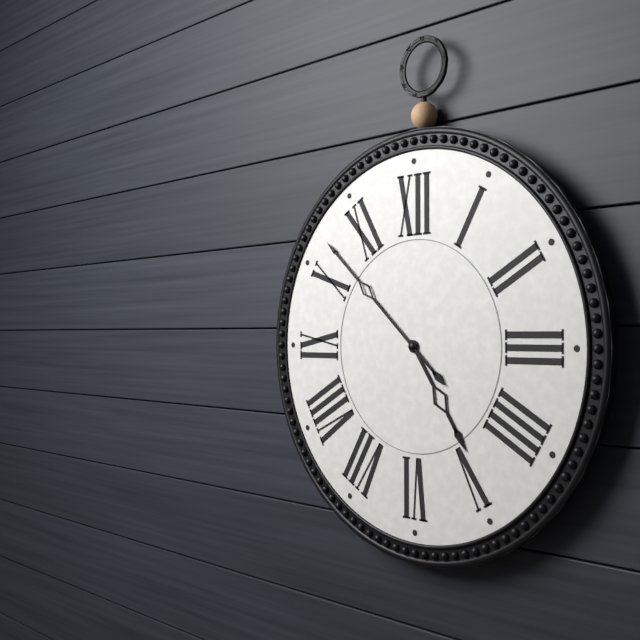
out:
{"hour": 4, "minute": 52}
